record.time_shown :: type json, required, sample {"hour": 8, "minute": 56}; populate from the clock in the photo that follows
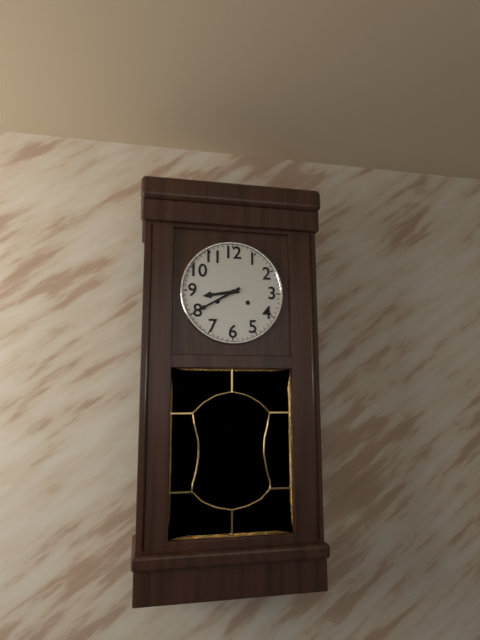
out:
{"hour": 8, "minute": 40}
